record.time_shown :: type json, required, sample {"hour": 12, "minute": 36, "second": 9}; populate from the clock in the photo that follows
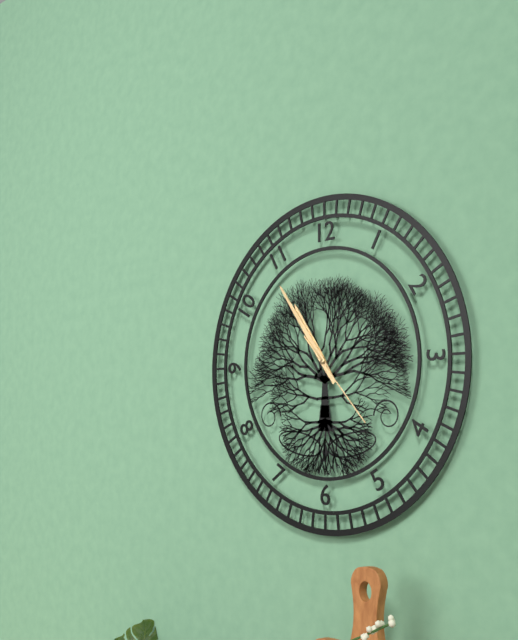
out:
{"hour": 10, "minute": 54, "second": 23}
